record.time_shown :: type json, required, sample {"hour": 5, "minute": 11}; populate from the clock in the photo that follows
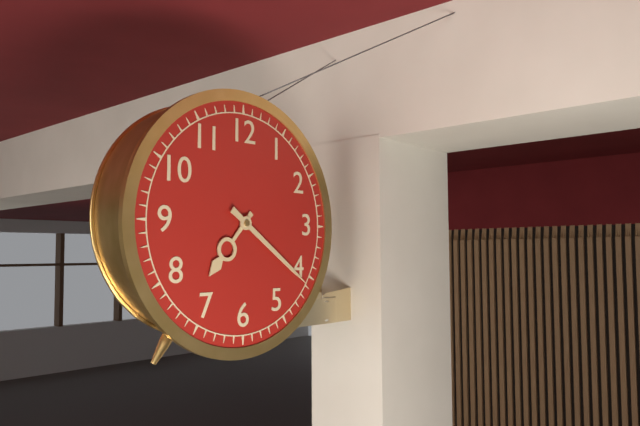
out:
{"hour": 7, "minute": 21}
